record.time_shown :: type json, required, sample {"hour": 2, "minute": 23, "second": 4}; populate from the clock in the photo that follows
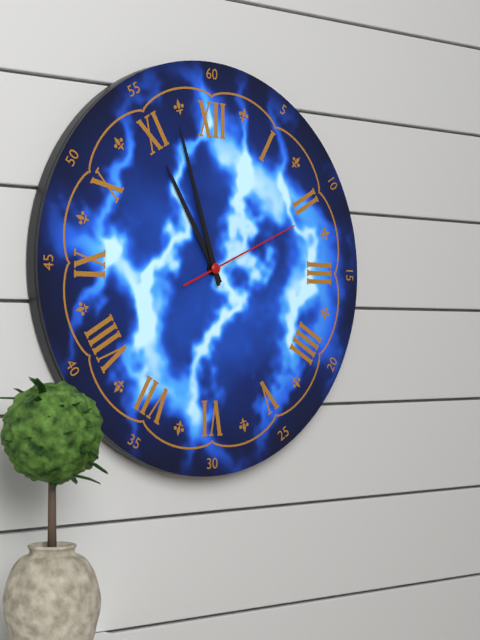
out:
{"hour": 10, "minute": 57, "second": 11}
